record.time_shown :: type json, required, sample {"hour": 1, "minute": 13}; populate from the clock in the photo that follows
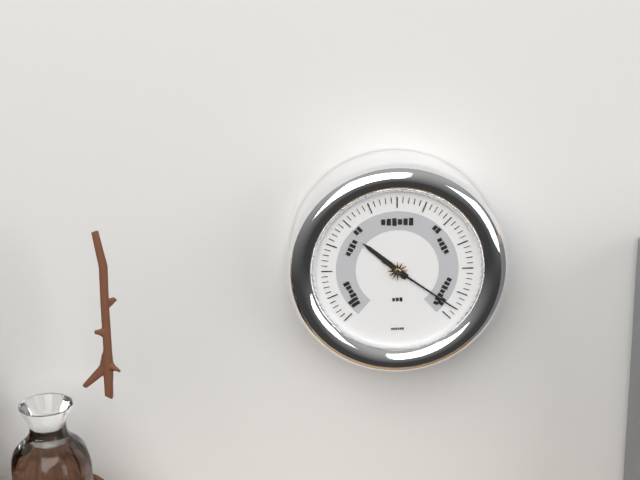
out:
{"hour": 10, "minute": 21}
